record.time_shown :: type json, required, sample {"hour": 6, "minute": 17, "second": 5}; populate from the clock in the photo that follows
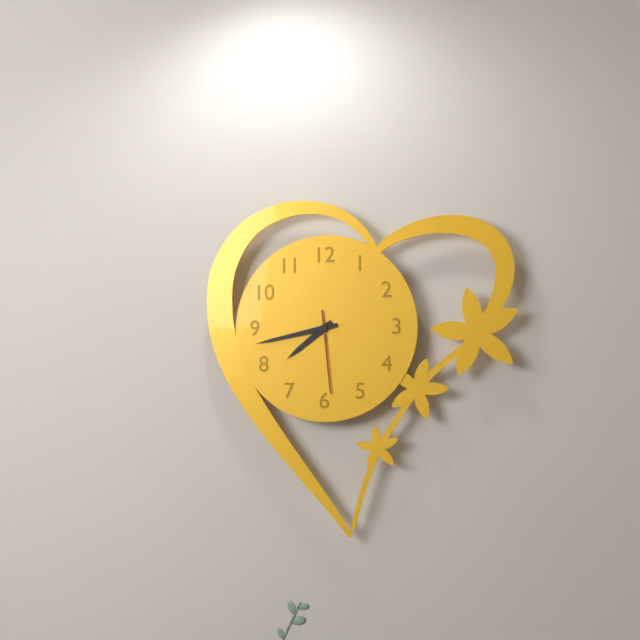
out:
{"hour": 7, "minute": 43, "second": 29}
